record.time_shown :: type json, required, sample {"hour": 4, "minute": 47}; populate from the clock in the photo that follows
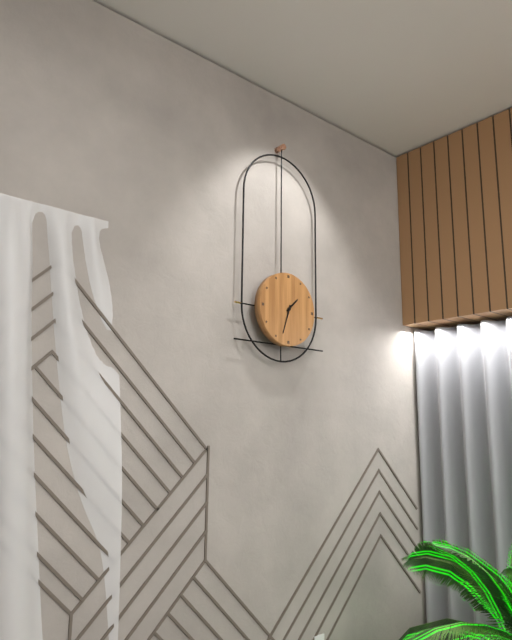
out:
{"hour": 1, "minute": 33}
